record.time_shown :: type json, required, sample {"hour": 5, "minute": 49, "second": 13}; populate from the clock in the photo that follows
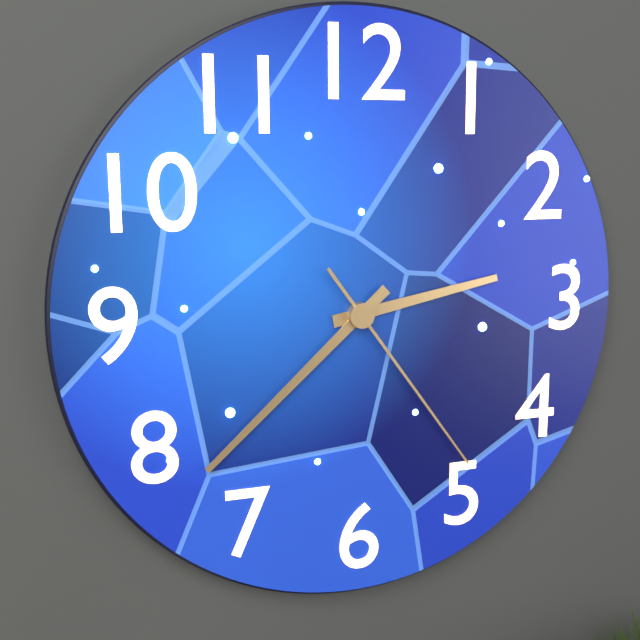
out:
{"hour": 2, "minute": 38, "second": 24}
